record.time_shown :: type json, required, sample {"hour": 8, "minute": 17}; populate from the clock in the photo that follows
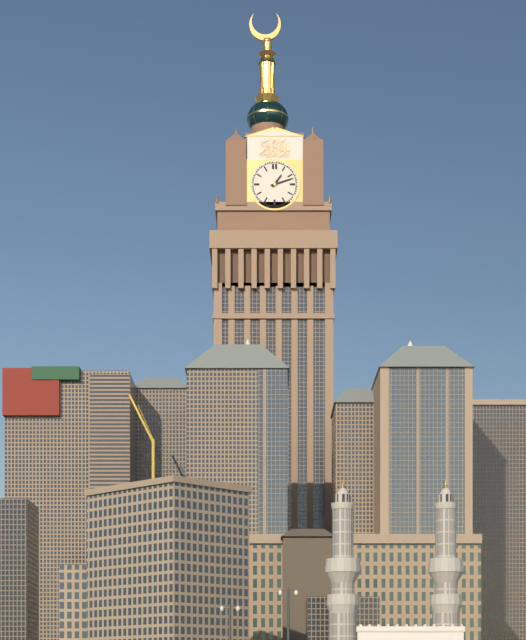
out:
{"hour": 1, "minute": 12}
